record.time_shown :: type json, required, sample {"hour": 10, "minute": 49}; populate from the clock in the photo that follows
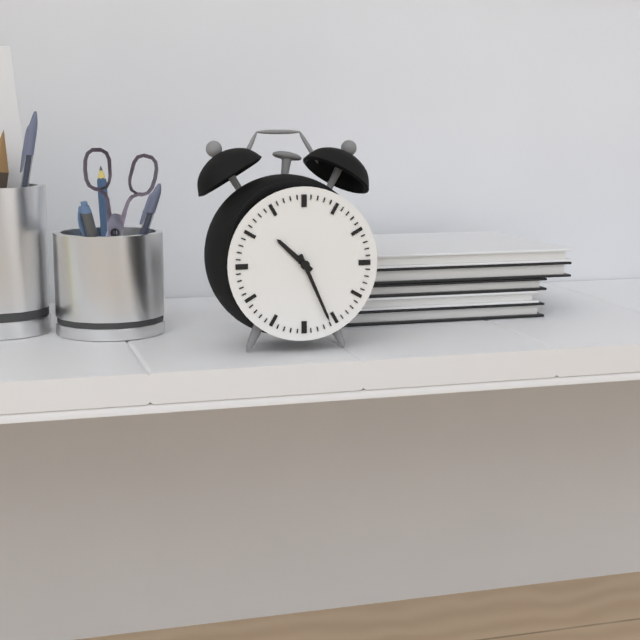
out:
{"hour": 10, "minute": 26}
